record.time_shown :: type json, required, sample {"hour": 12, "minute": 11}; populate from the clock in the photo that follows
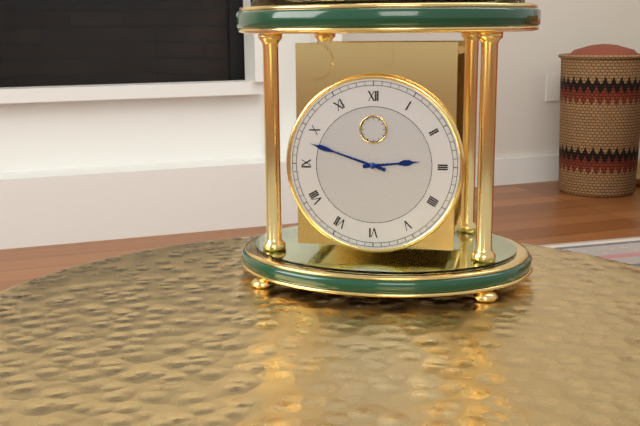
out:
{"hour": 2, "minute": 48}
